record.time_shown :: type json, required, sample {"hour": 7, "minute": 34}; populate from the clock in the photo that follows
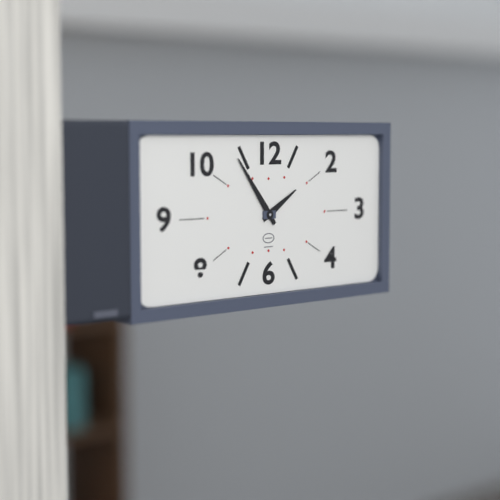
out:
{"hour": 1, "minute": 54}
